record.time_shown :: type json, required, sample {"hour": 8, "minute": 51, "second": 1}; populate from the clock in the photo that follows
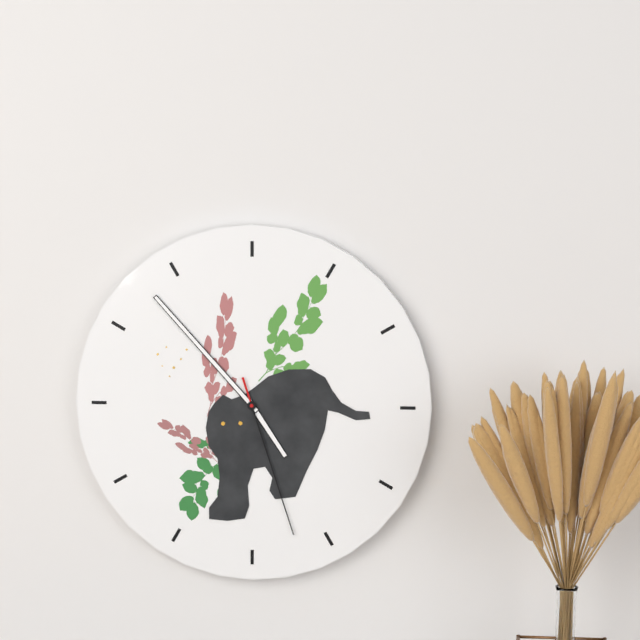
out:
{"hour": 4, "minute": 53, "second": 27}
